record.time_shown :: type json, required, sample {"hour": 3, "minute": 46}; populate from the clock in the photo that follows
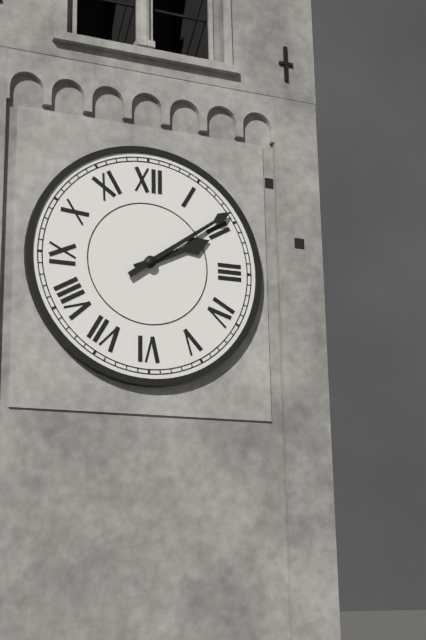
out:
{"hour": 2, "minute": 9}
